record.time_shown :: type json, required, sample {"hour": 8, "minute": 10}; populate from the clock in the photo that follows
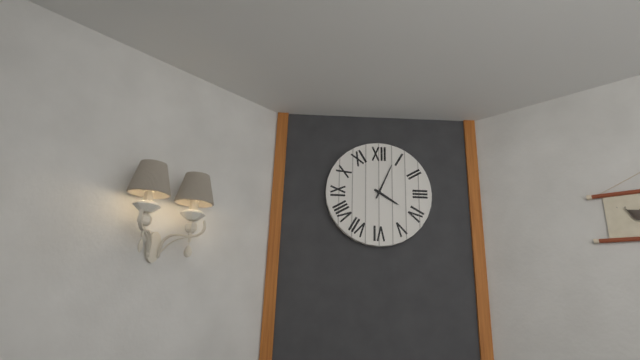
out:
{"hour": 4, "minute": 4}
